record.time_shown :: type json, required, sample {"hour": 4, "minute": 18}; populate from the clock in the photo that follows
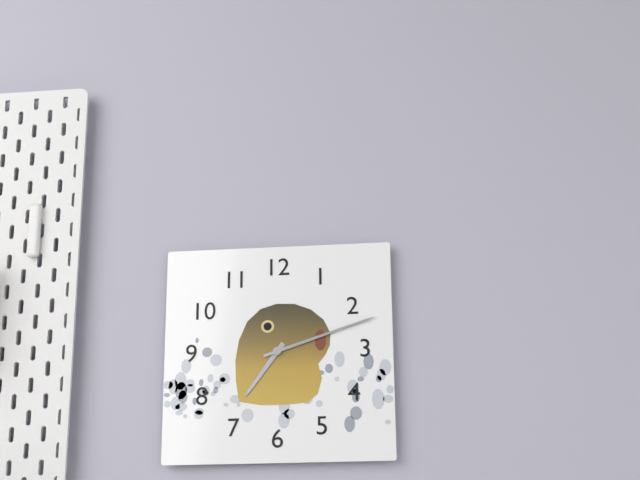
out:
{"hour": 7, "minute": 12}
